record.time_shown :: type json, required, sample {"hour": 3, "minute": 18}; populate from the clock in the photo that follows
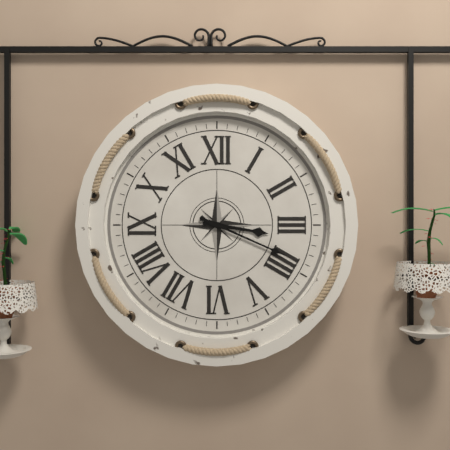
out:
{"hour": 3, "minute": 19}
